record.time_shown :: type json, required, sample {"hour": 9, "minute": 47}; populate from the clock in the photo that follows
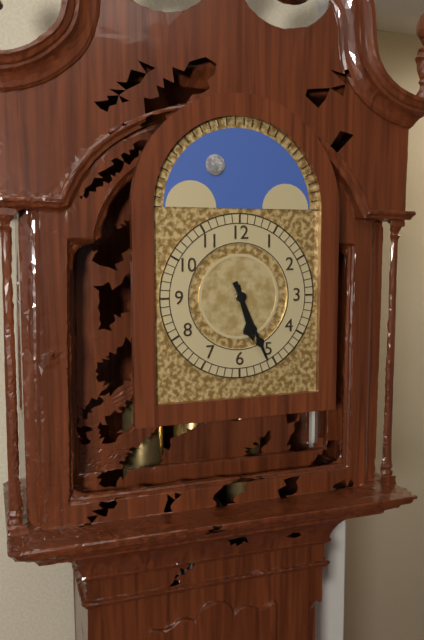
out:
{"hour": 5, "minute": 26}
